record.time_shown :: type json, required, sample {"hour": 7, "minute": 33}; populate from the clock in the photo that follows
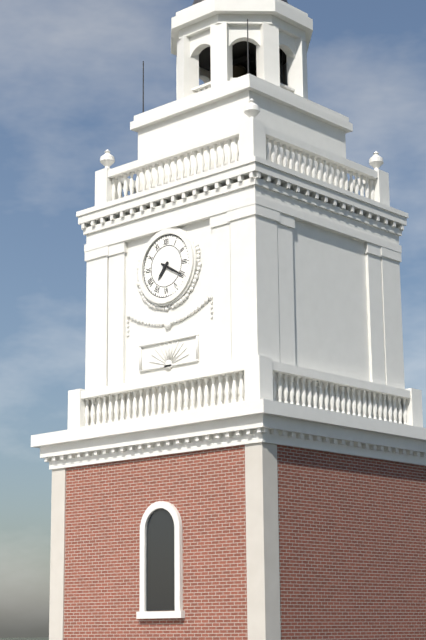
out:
{"hour": 7, "minute": 20}
